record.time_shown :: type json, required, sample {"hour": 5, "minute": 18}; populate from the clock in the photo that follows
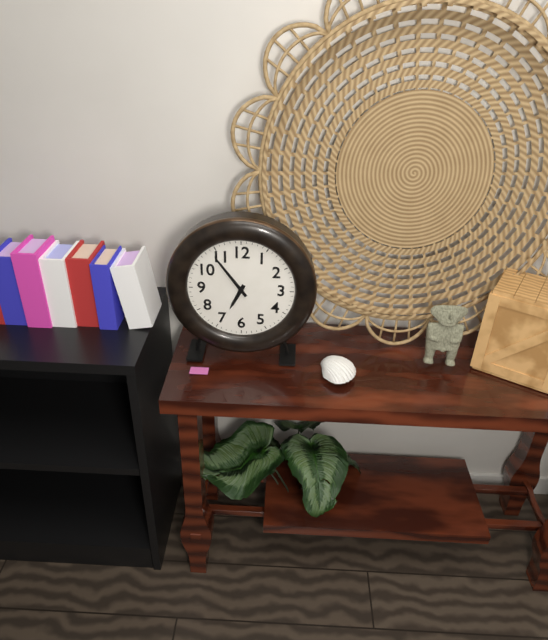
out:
{"hour": 6, "minute": 54}
